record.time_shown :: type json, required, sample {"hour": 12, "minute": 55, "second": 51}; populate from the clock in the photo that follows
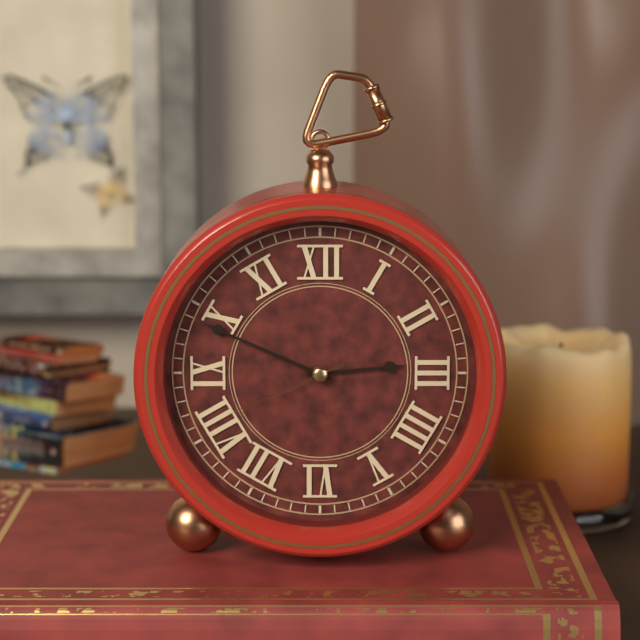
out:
{"hour": 2, "minute": 49, "second": 41}
